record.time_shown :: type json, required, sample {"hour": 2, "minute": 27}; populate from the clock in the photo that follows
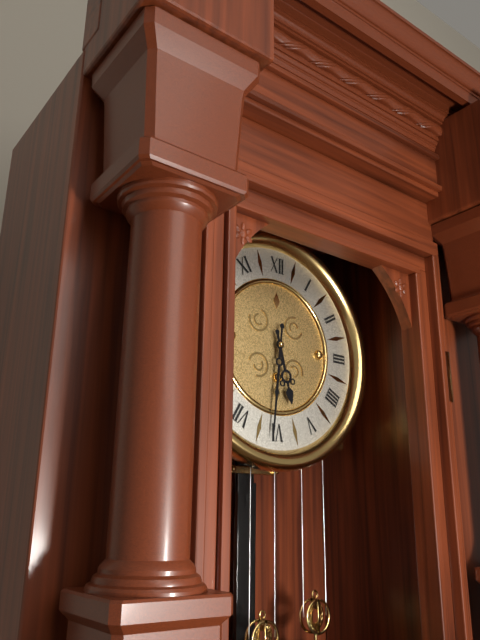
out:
{"hour": 5, "minute": 31}
